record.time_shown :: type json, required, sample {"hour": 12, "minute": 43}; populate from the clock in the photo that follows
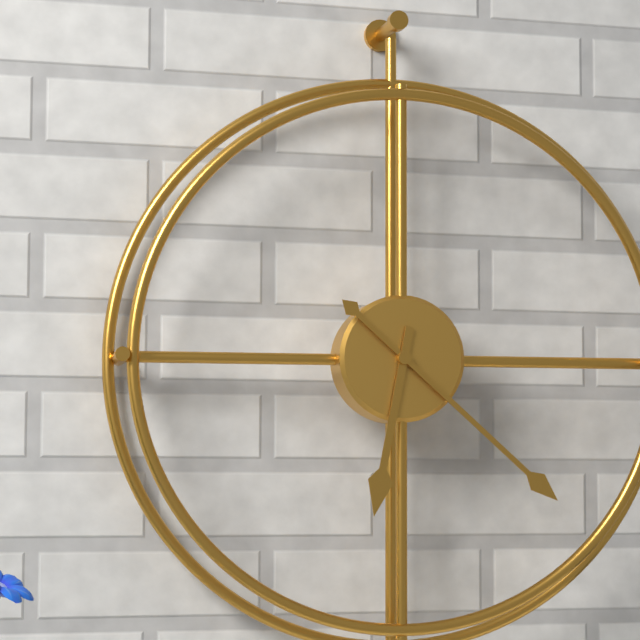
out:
{"hour": 6, "minute": 22}
